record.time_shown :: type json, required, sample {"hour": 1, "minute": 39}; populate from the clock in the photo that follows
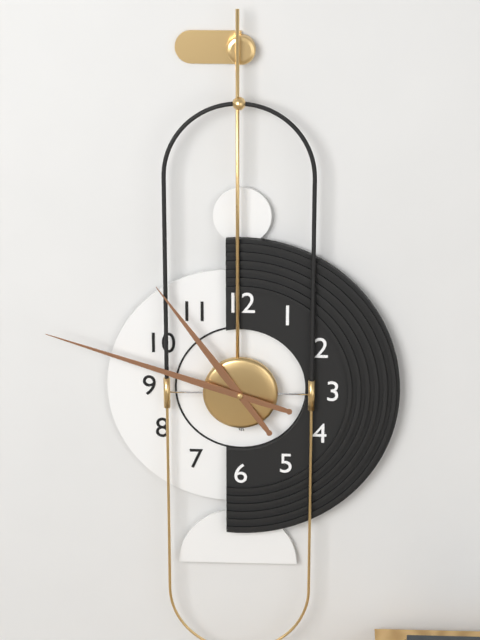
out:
{"hour": 10, "minute": 48}
